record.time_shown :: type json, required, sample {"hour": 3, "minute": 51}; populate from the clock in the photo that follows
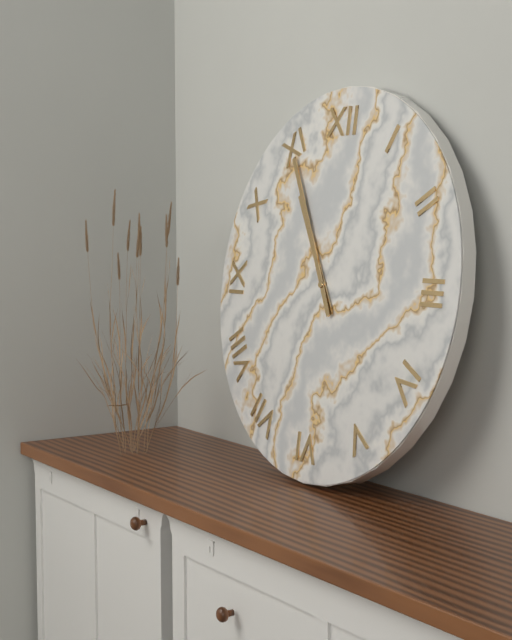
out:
{"hour": 10, "minute": 55}
